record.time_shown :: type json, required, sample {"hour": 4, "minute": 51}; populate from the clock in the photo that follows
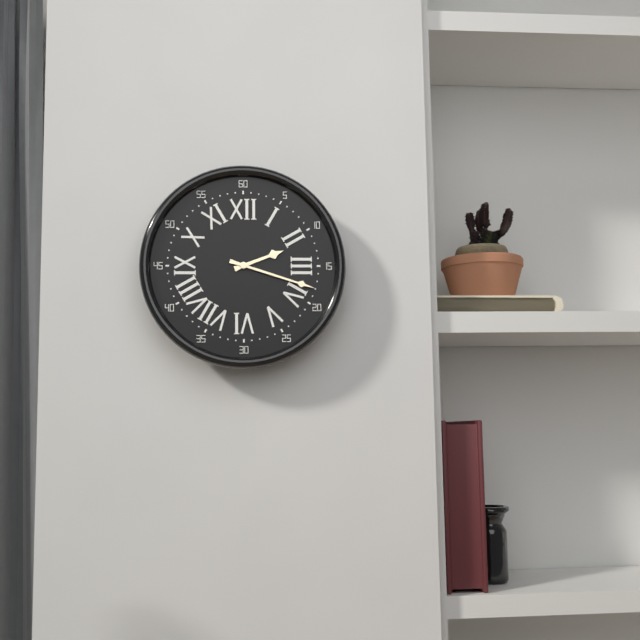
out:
{"hour": 2, "minute": 18}
